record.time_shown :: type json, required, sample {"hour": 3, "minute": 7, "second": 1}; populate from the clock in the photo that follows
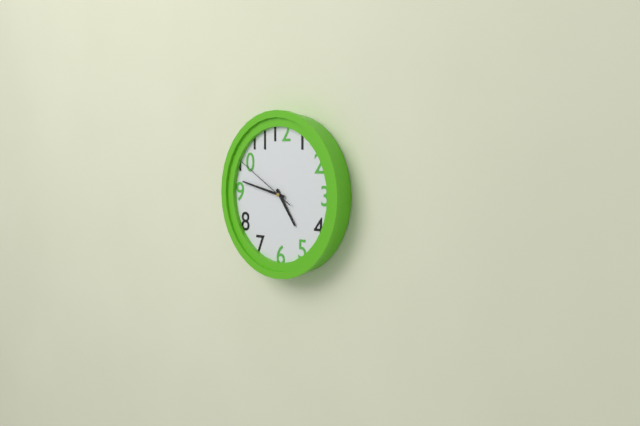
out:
{"hour": 4, "minute": 47, "second": 50}
